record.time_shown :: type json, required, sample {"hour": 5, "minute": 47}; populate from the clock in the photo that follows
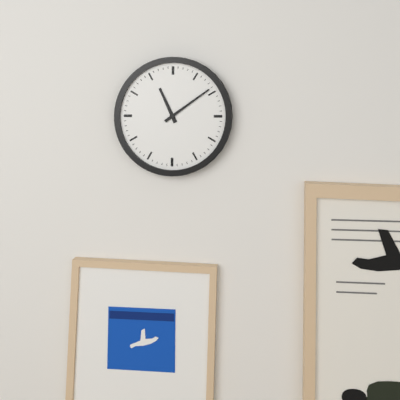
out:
{"hour": 11, "minute": 9}
